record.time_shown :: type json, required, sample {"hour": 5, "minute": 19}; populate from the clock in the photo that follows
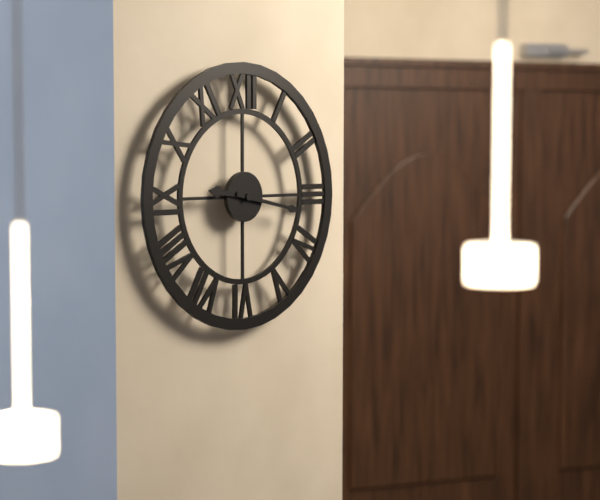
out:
{"hour": 9, "minute": 17}
